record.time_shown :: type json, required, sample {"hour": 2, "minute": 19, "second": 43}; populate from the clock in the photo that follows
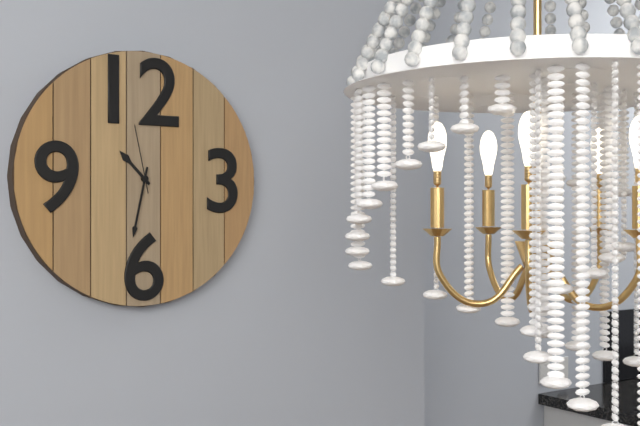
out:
{"hour": 10, "minute": 32, "second": 58}
